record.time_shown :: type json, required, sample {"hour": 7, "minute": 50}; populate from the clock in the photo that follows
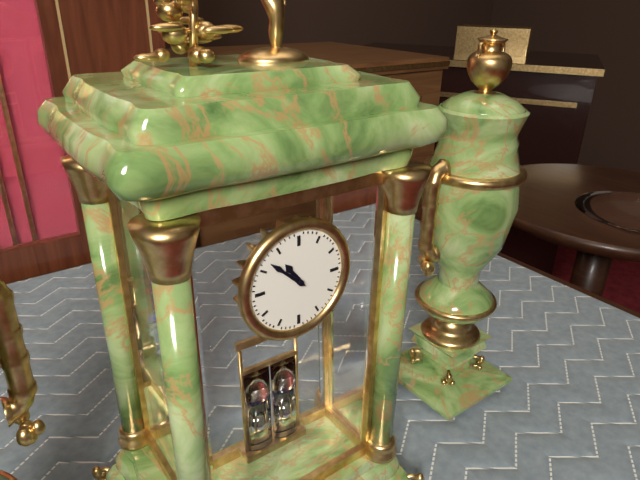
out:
{"hour": 10, "minute": 52}
